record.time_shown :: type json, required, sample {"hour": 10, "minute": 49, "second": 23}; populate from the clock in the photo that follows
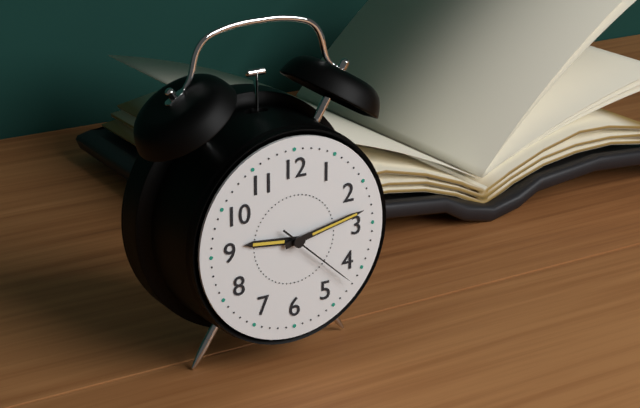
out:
{"hour": 9, "minute": 13, "second": 22}
